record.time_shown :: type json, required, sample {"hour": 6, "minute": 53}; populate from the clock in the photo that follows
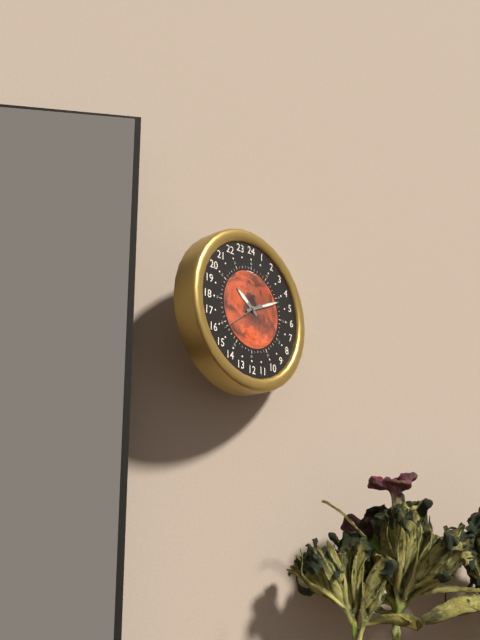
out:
{"hour": 10, "minute": 11}
